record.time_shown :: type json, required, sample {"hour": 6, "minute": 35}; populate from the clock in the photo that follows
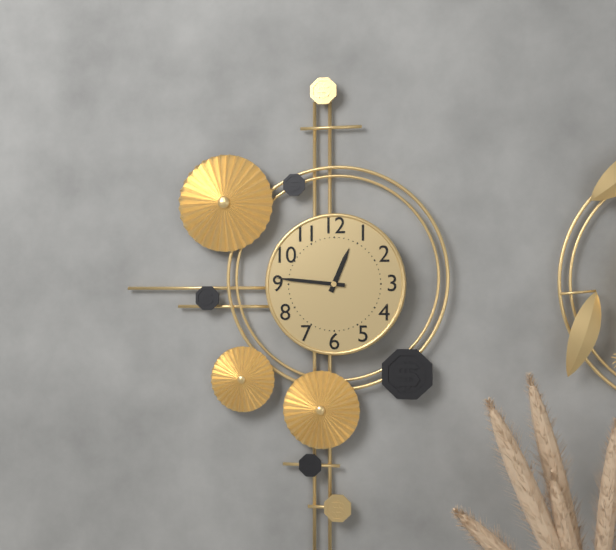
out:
{"hour": 12, "minute": 46}
